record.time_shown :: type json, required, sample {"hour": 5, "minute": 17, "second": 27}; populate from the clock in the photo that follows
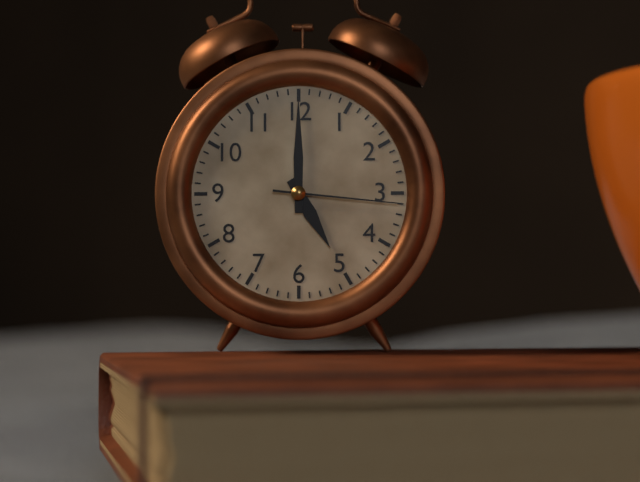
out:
{"hour": 5, "minute": 0, "second": 16}
